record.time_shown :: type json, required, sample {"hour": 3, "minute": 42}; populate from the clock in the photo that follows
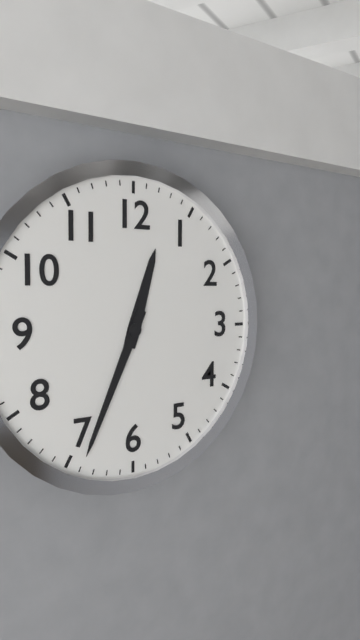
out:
{"hour": 12, "minute": 34}
